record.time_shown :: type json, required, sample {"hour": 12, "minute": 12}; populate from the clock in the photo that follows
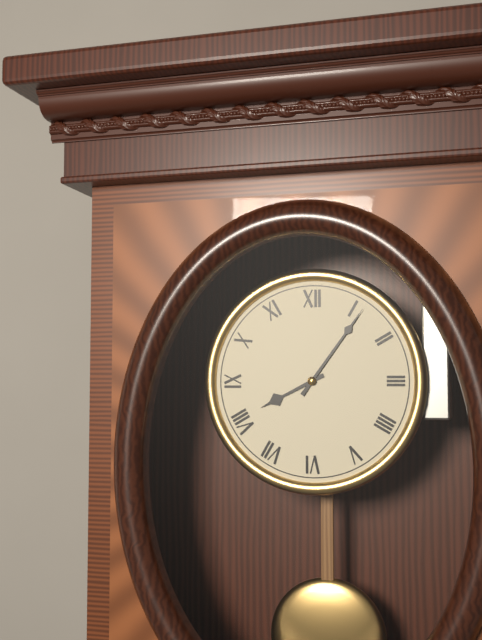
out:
{"hour": 8, "minute": 6}
